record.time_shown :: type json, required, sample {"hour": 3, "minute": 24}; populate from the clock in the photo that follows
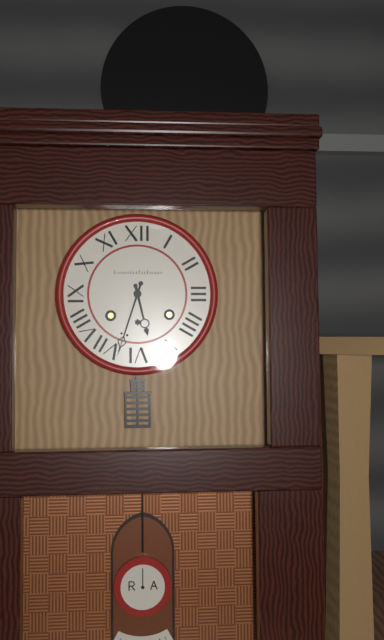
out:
{"hour": 5, "minute": 33}
